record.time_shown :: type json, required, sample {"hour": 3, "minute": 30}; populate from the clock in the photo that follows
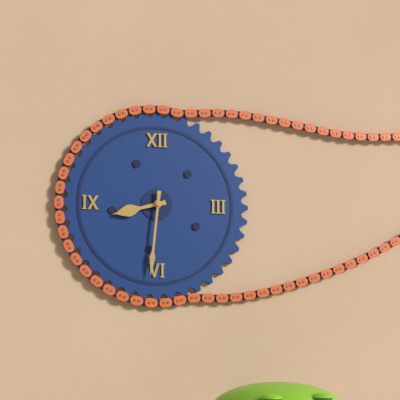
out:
{"hour": 8, "minute": 31}
